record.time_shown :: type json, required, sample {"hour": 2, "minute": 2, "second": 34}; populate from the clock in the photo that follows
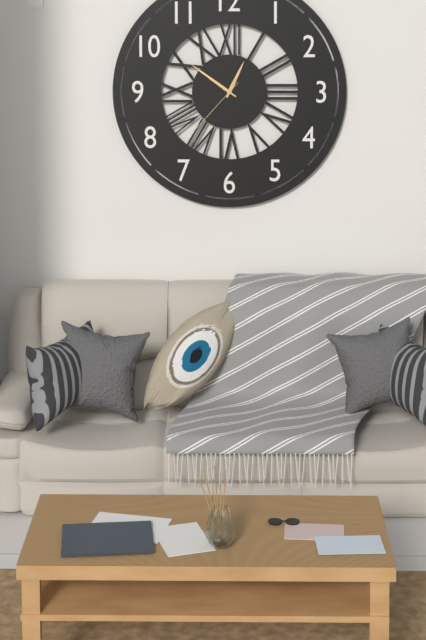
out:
{"hour": 12, "minute": 51, "second": 37}
